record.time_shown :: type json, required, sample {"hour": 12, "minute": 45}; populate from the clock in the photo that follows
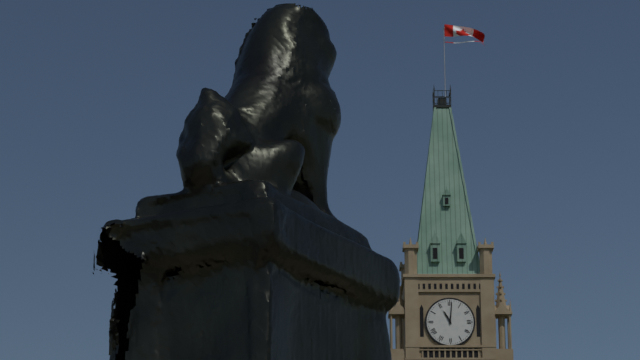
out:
{"hour": 11, "minute": 1}
